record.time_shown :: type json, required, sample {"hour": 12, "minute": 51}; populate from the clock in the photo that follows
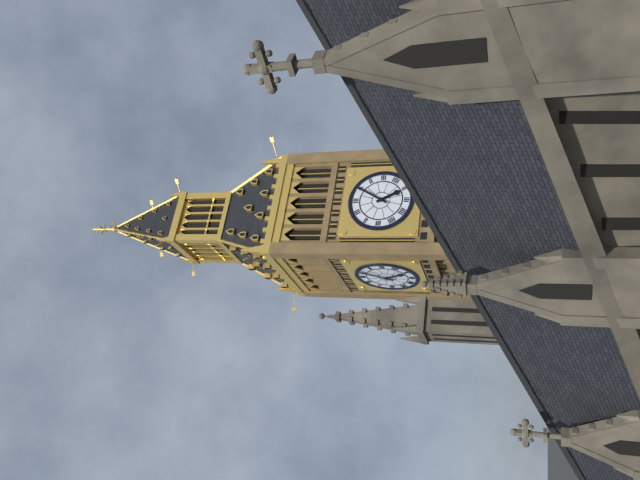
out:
{"hour": 5, "minute": 5}
